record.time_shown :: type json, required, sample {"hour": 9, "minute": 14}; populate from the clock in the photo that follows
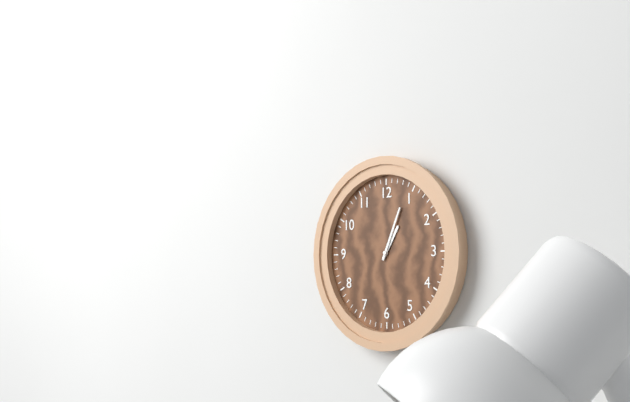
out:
{"hour": 1, "minute": 4}
